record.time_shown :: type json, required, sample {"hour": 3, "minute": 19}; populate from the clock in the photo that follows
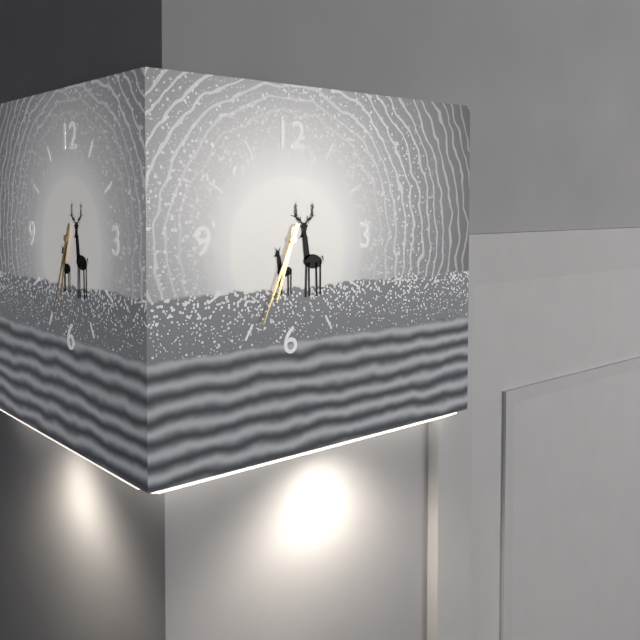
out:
{"hour": 6, "minute": 34}
